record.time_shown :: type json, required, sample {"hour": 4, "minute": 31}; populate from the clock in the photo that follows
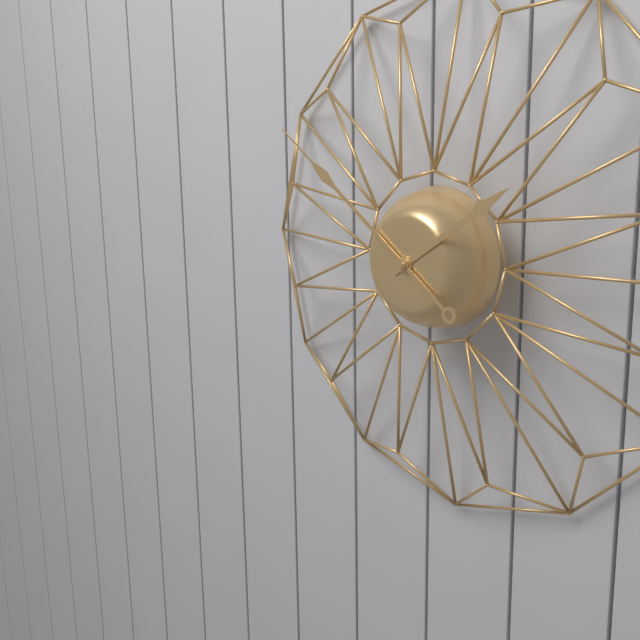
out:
{"hour": 1, "minute": 51}
